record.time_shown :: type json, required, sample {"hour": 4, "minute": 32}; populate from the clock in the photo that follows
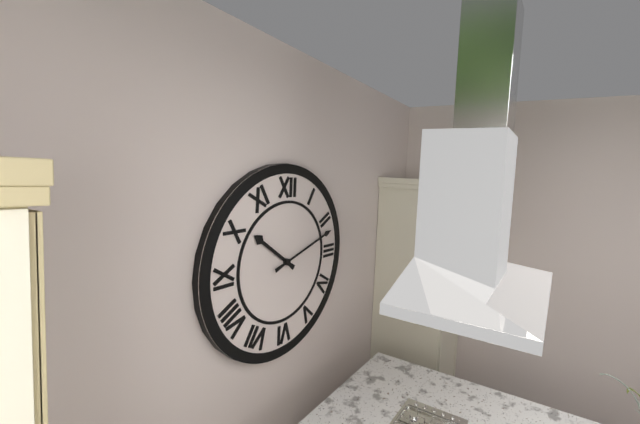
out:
{"hour": 10, "minute": 12}
